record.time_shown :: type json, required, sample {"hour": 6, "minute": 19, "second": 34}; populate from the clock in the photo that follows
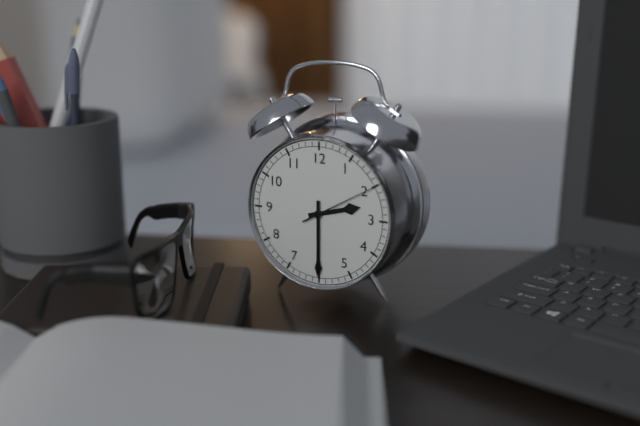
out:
{"hour": 2, "minute": 30, "second": 10}
